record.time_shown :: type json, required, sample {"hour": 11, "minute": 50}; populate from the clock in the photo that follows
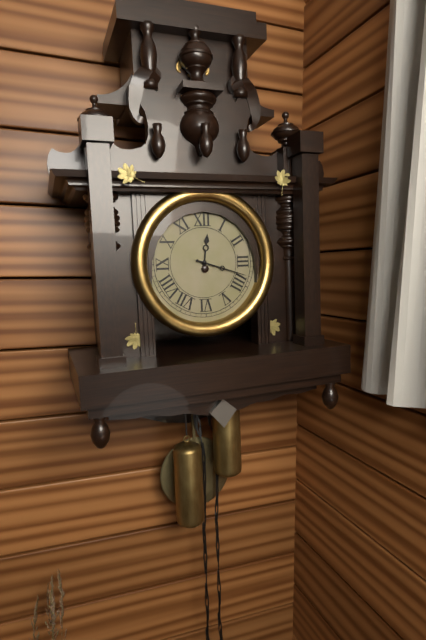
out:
{"hour": 12, "minute": 18}
